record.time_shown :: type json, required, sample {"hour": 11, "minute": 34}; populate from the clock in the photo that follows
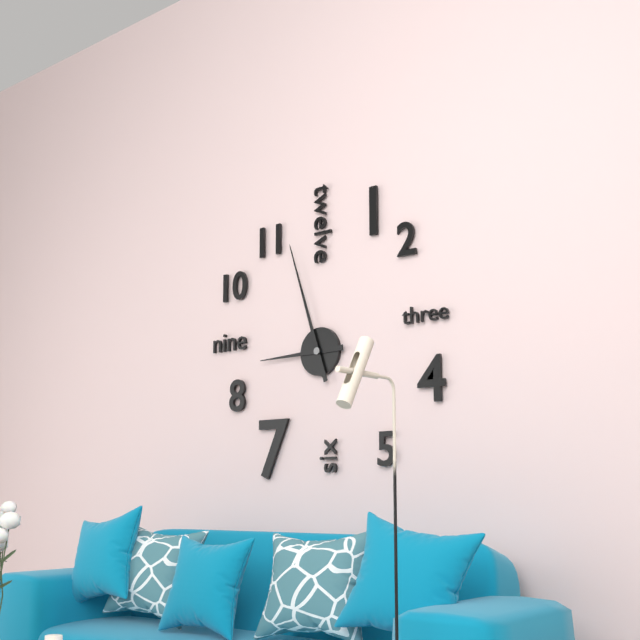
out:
{"hour": 8, "minute": 57}
